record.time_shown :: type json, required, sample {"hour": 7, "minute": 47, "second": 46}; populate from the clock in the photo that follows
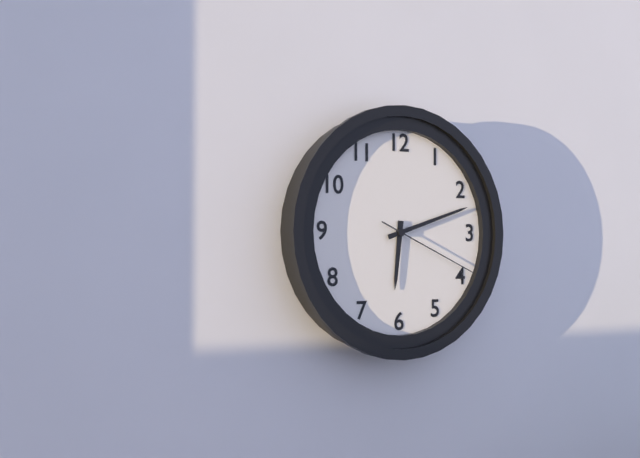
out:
{"hour": 6, "minute": 12, "second": 19}
